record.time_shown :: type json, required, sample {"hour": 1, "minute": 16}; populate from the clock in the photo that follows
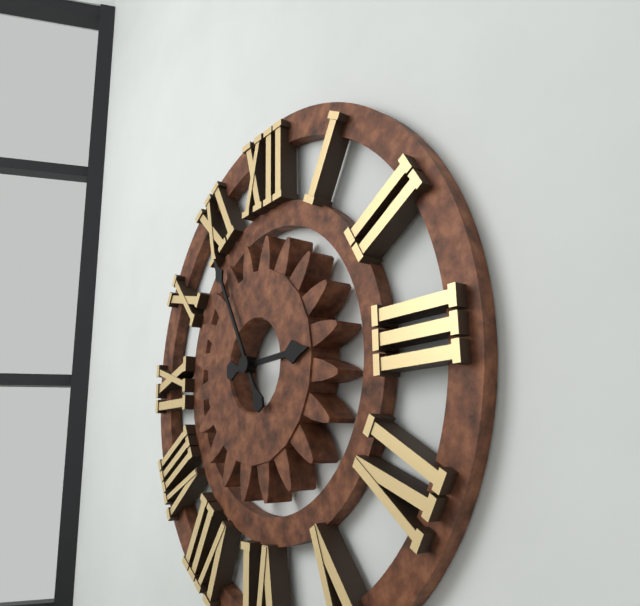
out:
{"hour": 2, "minute": 55}
